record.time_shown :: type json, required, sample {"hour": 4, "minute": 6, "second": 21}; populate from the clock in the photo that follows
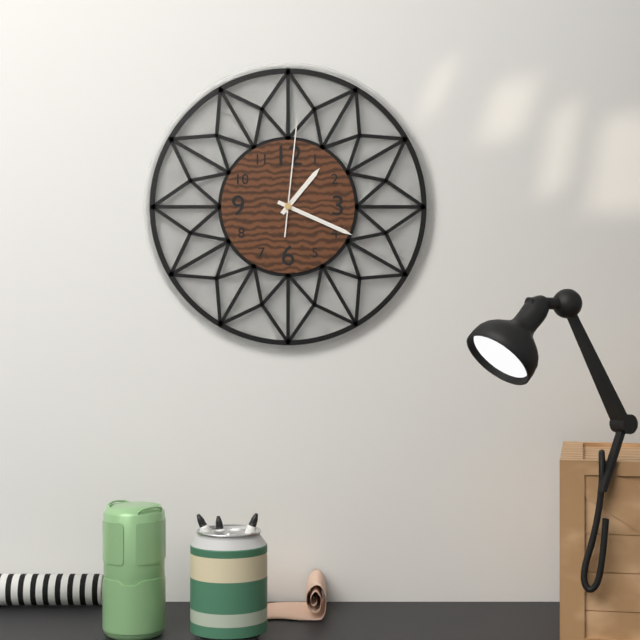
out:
{"hour": 1, "minute": 19, "second": 1}
